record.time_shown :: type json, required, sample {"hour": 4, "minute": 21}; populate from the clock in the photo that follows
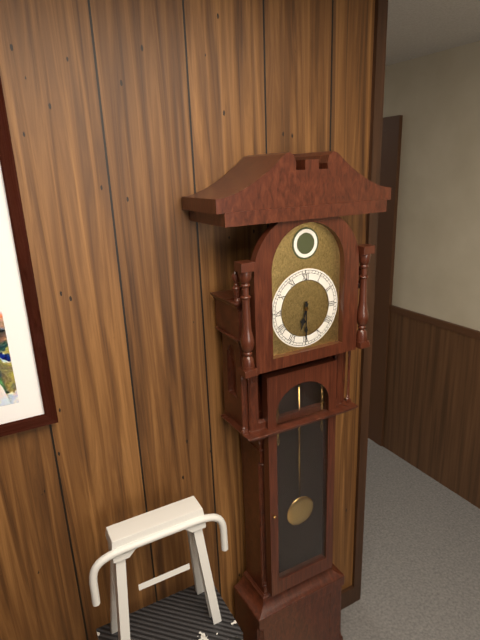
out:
{"hour": 6, "minute": 30}
